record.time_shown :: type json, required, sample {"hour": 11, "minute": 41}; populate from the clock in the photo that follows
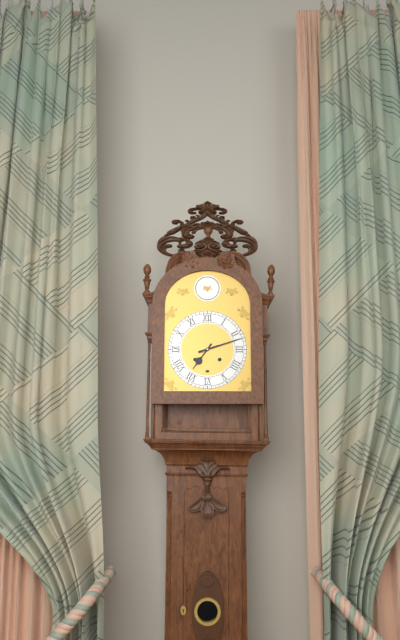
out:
{"hour": 7, "minute": 12}
